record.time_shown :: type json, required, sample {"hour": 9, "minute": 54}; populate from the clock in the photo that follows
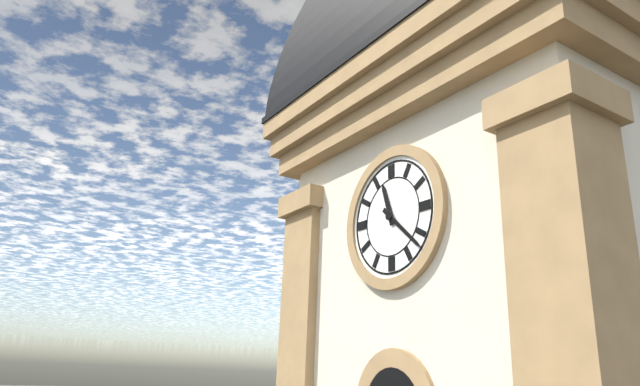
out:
{"hour": 11, "minute": 22}
